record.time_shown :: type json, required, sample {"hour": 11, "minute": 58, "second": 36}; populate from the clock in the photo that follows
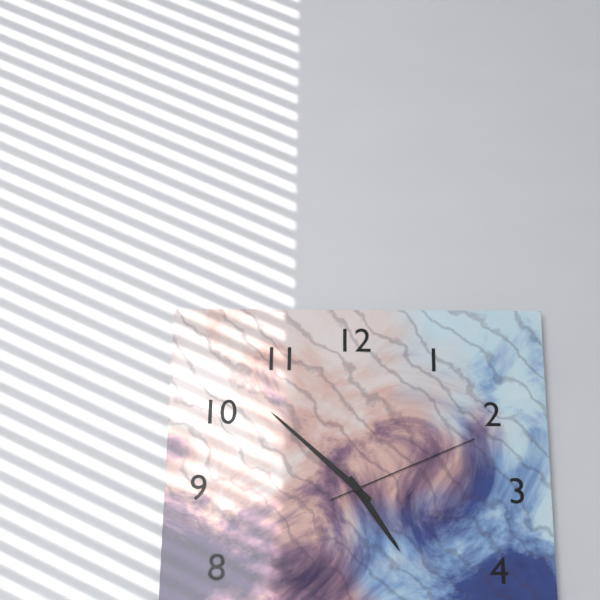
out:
{"hour": 4, "minute": 52, "second": 11}
